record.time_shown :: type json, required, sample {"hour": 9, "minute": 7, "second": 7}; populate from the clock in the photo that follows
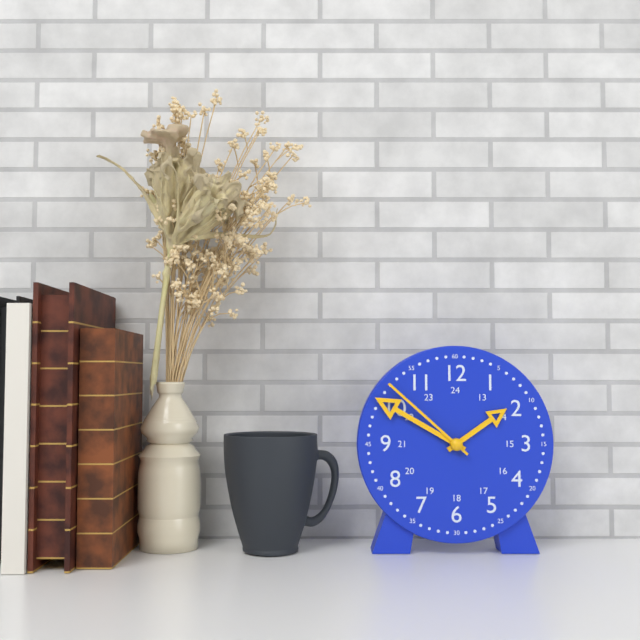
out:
{"hour": 1, "minute": 50, "second": 52}
